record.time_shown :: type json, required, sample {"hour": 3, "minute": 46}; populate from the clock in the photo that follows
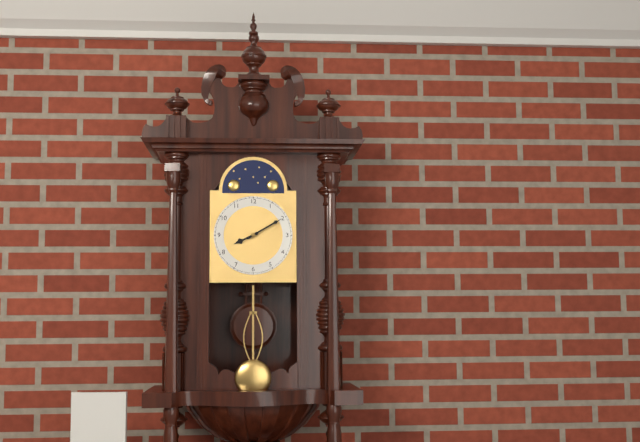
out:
{"hour": 8, "minute": 10}
